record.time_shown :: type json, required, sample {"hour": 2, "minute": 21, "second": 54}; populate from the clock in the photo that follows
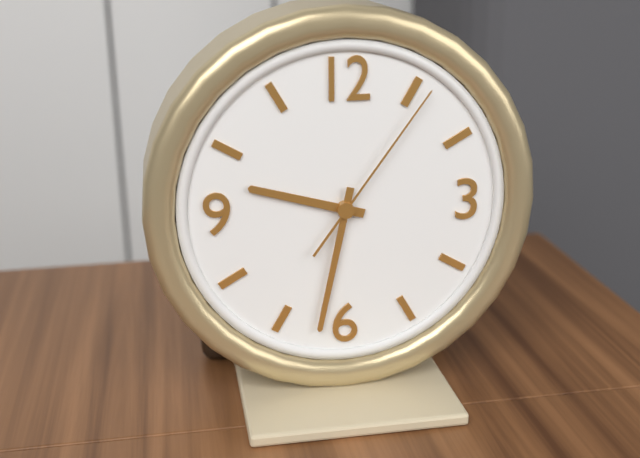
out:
{"hour": 9, "minute": 32, "second": 6}
